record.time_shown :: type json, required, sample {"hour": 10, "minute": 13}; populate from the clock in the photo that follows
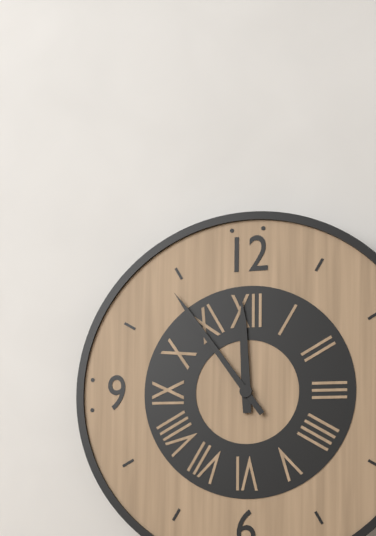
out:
{"hour": 11, "minute": 54}
